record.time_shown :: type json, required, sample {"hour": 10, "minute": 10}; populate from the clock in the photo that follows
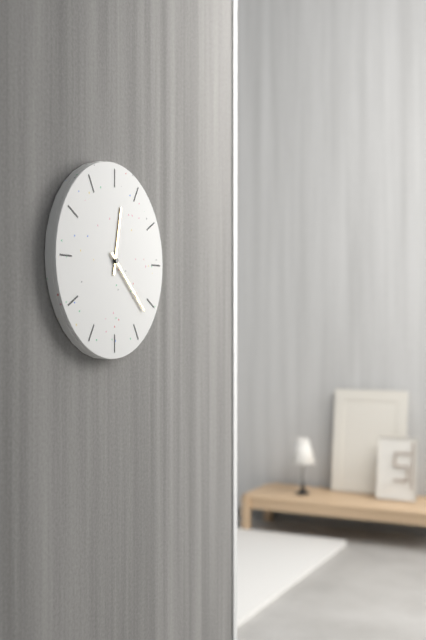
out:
{"hour": 12, "minute": 22}
